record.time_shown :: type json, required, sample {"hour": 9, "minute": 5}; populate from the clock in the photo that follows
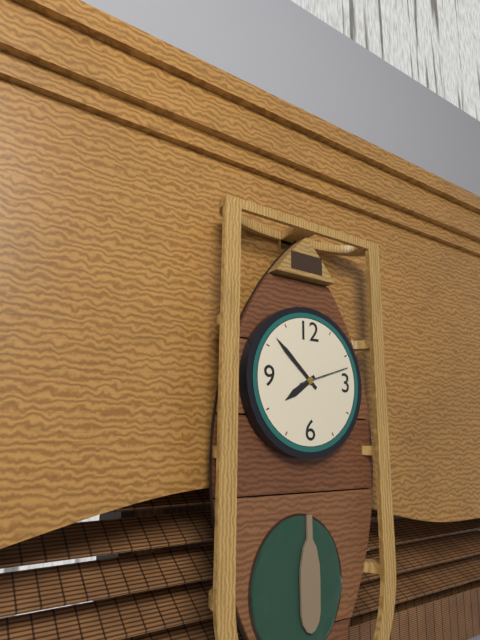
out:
{"hour": 7, "minute": 52}
